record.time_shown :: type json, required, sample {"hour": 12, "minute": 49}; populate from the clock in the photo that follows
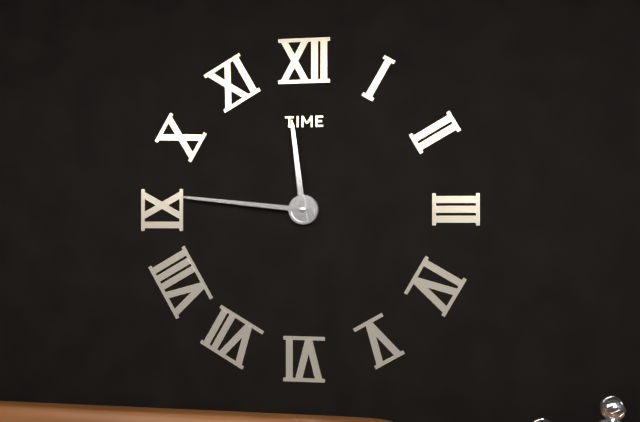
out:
{"hour": 11, "minute": 46}
